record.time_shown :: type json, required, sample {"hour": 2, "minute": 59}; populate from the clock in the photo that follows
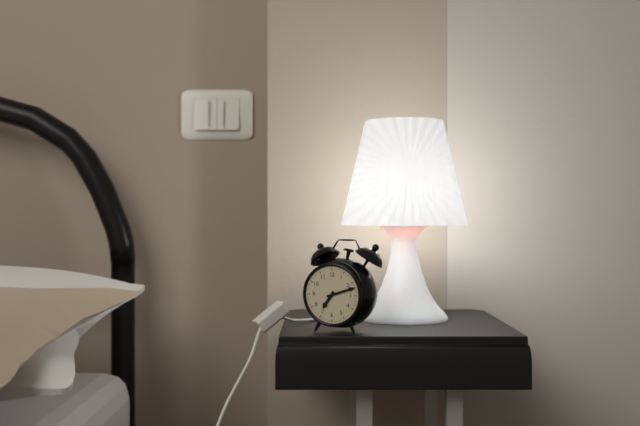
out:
{"hour": 7, "minute": 12}
